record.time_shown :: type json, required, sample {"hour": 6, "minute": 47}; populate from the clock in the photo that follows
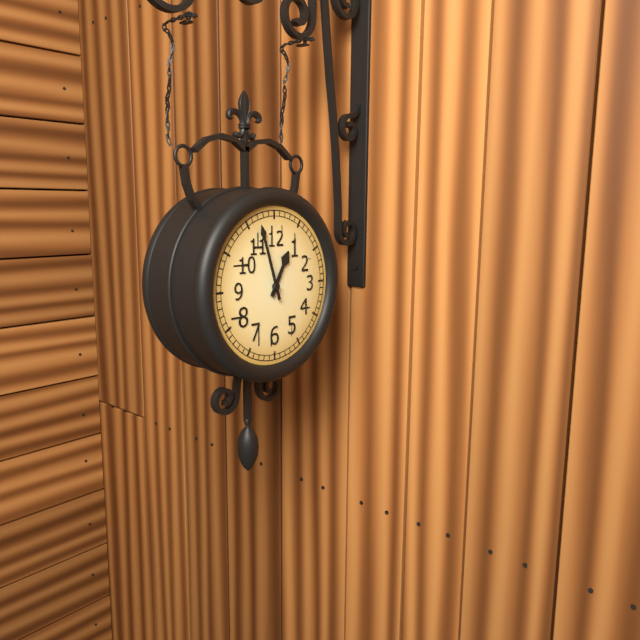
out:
{"hour": 12, "minute": 57}
